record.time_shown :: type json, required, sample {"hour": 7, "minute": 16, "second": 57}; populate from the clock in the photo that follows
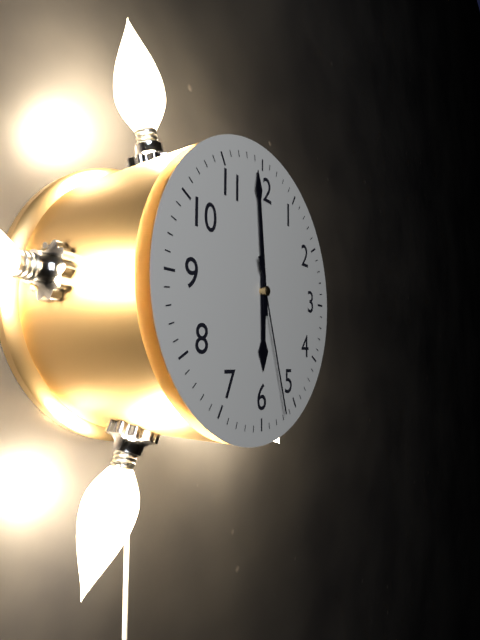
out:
{"hour": 5, "minute": 59, "second": 27}
